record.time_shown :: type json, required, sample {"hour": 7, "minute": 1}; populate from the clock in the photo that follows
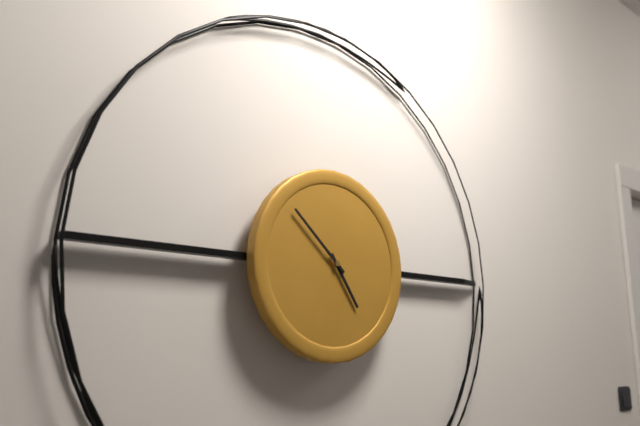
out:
{"hour": 4, "minute": 52}
